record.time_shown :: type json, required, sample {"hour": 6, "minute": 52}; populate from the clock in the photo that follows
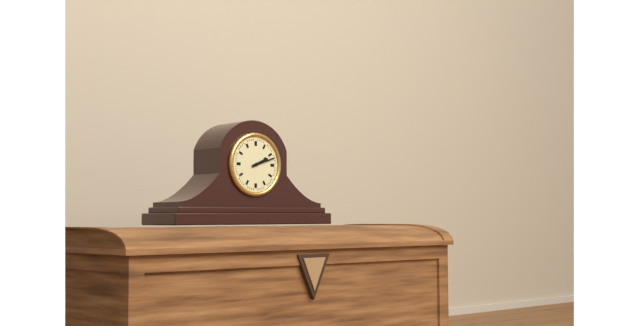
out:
{"hour": 2, "minute": 12}
